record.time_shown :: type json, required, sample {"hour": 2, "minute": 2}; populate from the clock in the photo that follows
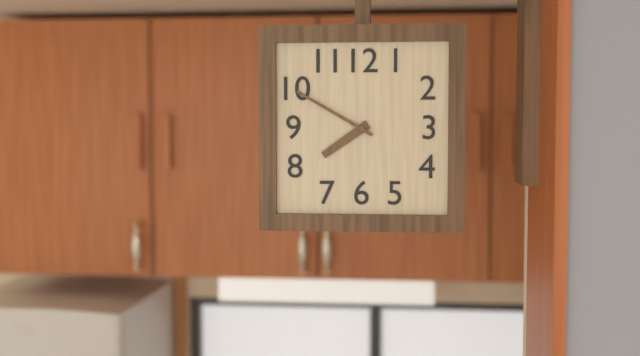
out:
{"hour": 7, "minute": 50}
